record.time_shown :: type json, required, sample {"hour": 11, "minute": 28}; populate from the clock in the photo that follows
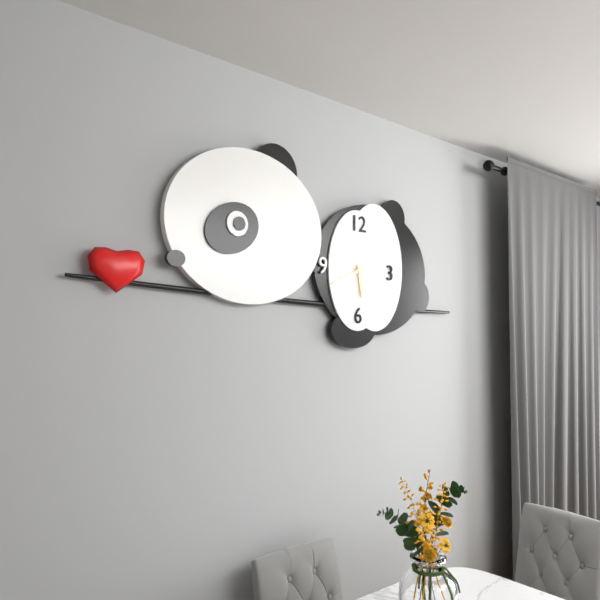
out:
{"hour": 5, "minute": 41}
